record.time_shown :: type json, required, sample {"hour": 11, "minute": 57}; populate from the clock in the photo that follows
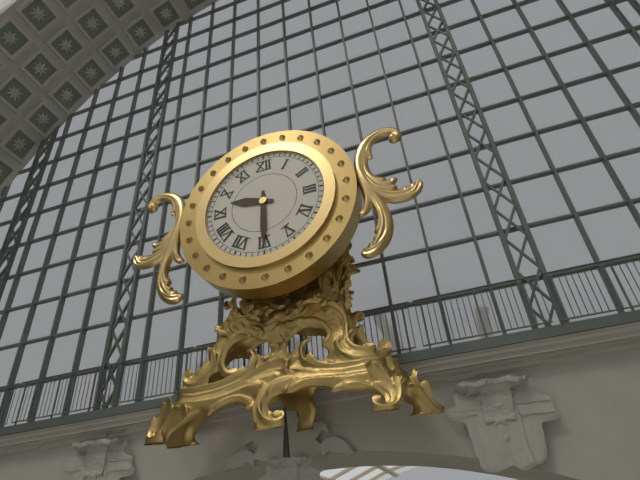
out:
{"hour": 9, "minute": 30}
